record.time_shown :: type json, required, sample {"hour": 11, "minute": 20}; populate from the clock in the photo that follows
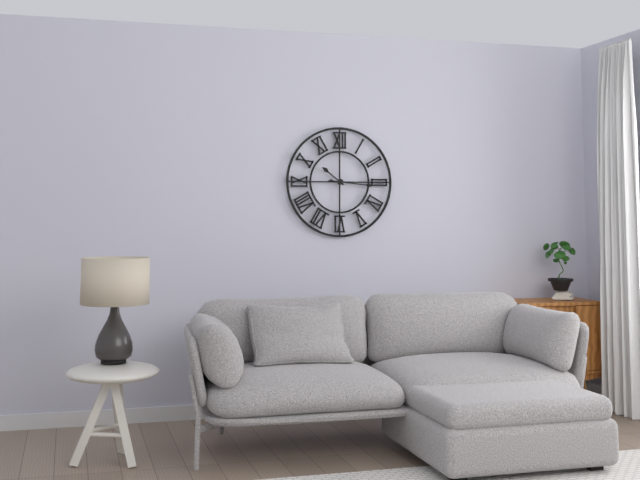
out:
{"hour": 10, "minute": 16}
